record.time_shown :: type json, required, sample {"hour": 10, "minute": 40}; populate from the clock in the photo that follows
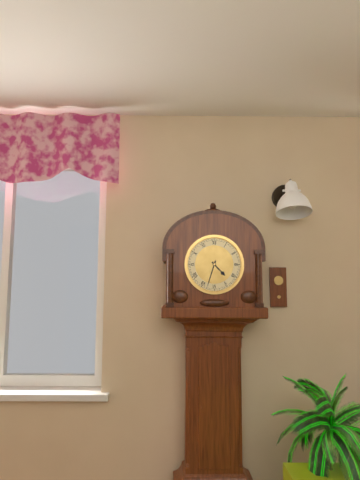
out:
{"hour": 4, "minute": 33}
